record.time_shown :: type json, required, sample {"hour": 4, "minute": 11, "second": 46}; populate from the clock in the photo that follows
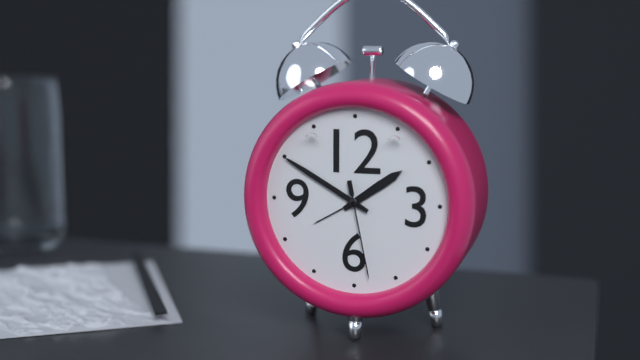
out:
{"hour": 1, "minute": 50, "second": 28}
